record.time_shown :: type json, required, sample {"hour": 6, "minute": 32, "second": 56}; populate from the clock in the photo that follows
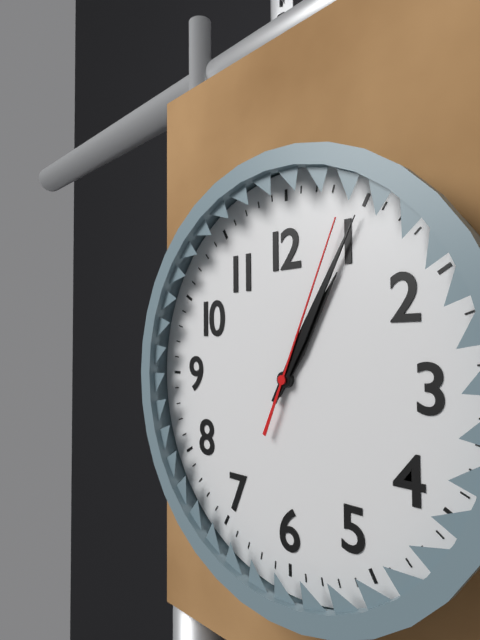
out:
{"hour": 1, "minute": 5, "second": 4}
